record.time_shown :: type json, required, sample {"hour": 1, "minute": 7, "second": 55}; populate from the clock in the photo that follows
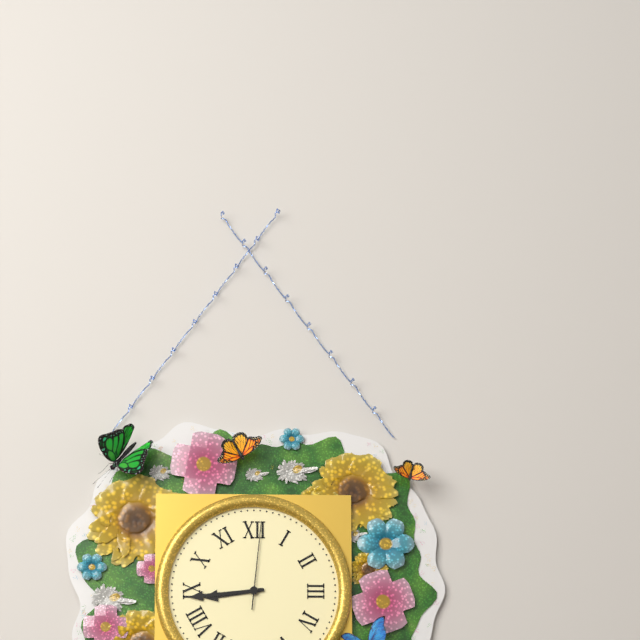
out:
{"hour": 8, "minute": 44, "second": 1}
